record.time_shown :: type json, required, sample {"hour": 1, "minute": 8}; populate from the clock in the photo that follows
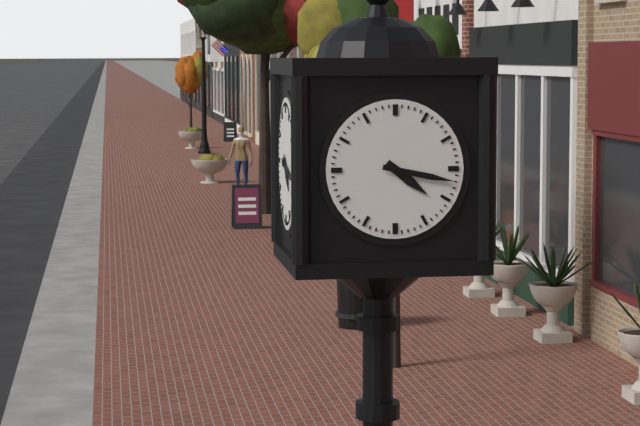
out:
{"hour": 4, "minute": 17}
